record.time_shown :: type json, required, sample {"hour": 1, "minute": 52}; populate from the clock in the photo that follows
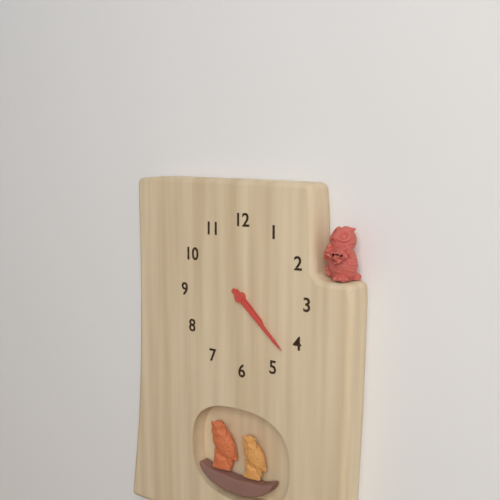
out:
{"hour": 4, "minute": 22}
